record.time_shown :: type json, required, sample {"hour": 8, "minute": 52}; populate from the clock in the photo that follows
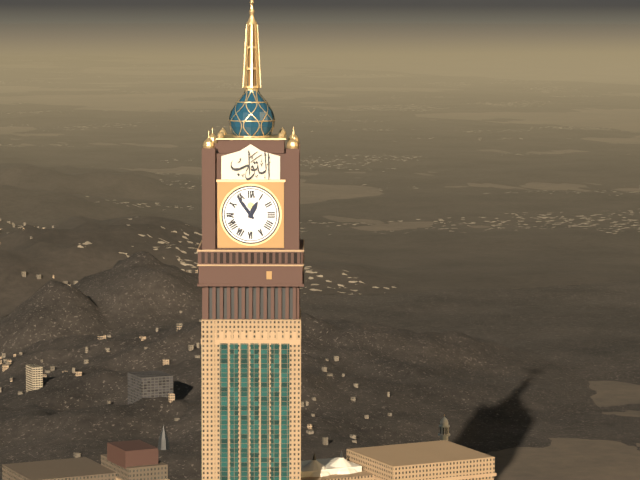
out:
{"hour": 12, "minute": 54}
